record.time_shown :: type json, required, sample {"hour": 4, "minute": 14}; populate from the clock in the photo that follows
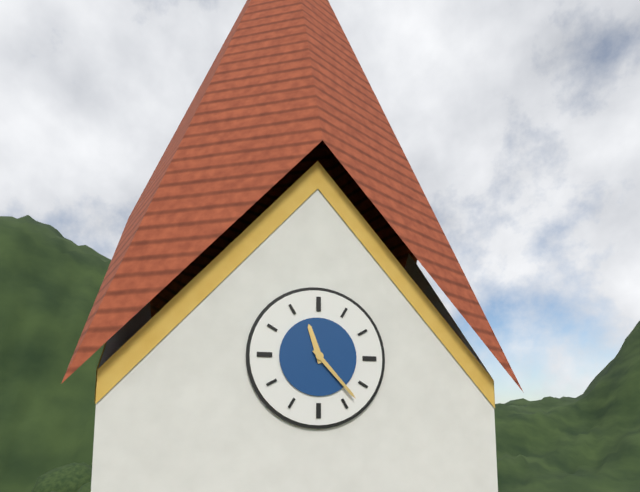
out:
{"hour": 11, "minute": 23}
